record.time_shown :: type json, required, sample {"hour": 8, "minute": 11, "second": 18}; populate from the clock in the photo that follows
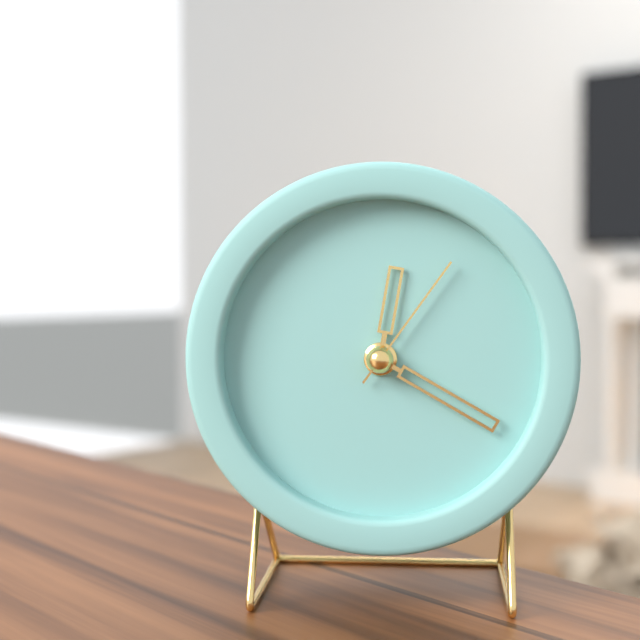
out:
{"hour": 12, "minute": 20, "second": 6}
